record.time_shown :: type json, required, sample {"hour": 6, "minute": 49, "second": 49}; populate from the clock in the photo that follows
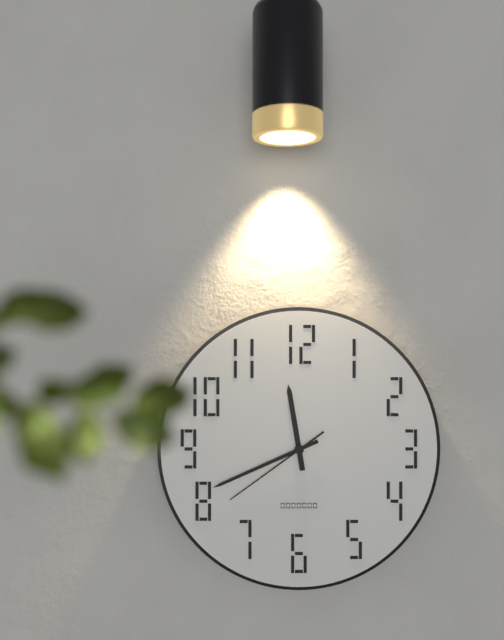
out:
{"hour": 11, "minute": 41, "second": 39}
